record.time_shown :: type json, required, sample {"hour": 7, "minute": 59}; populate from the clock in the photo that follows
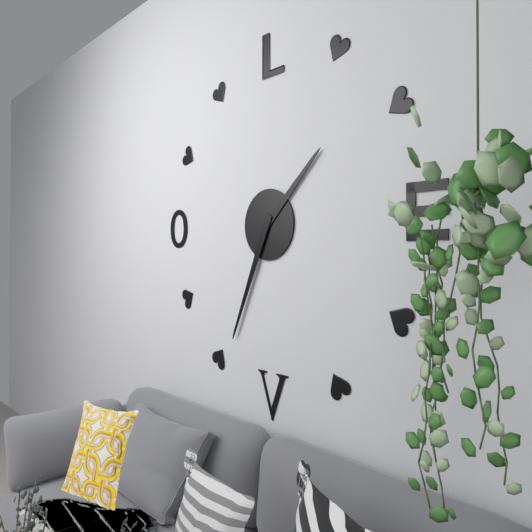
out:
{"hour": 1, "minute": 34}
